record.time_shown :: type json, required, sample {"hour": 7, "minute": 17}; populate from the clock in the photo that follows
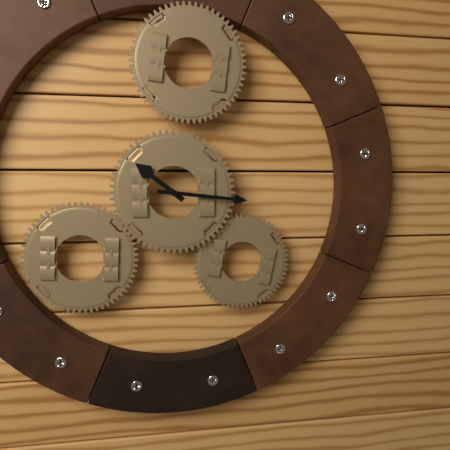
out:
{"hour": 10, "minute": 16}
